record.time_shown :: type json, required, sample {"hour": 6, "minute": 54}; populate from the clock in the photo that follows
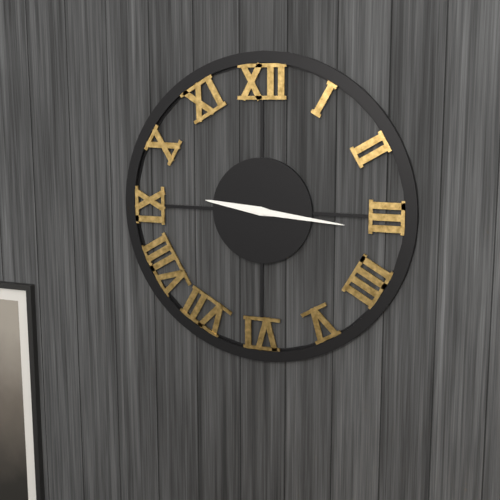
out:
{"hour": 9, "minute": 16}
